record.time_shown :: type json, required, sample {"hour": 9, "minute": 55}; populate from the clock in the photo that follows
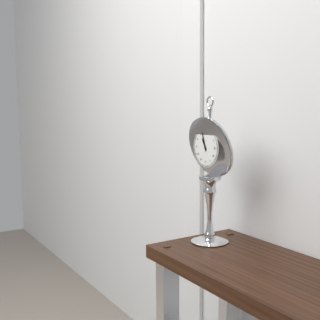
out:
{"hour": 10, "minute": 57}
